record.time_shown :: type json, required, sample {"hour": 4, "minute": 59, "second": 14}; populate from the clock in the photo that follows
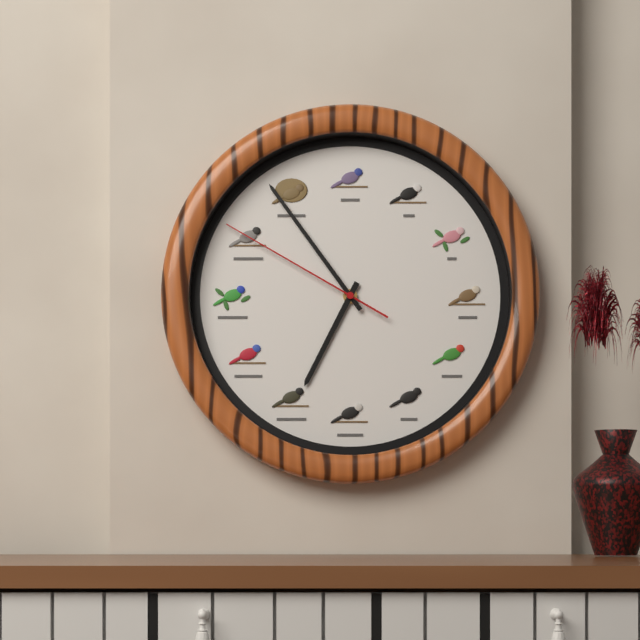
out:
{"hour": 6, "minute": 54, "second": 50}
